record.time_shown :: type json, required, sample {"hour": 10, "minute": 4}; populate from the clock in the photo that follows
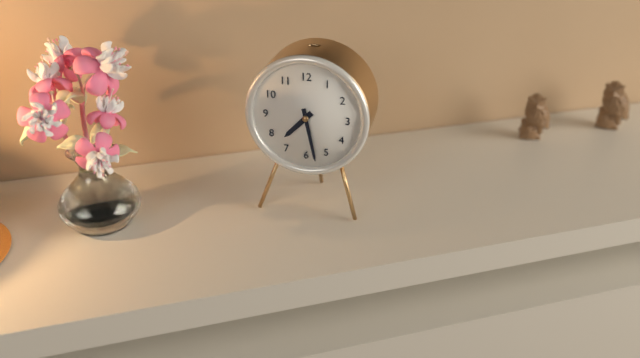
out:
{"hour": 7, "minute": 28}
